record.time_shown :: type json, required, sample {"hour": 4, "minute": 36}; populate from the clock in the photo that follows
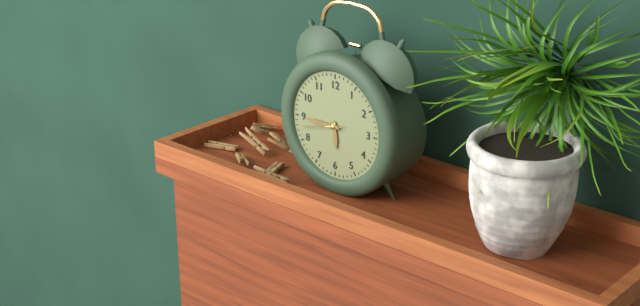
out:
{"hour": 5, "minute": 45}
